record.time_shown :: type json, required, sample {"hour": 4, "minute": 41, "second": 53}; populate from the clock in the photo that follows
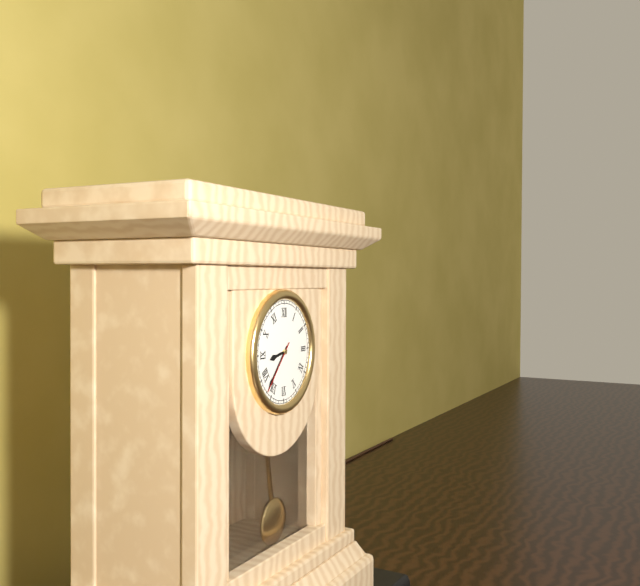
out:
{"hour": 8, "minute": 37, "second": 37}
